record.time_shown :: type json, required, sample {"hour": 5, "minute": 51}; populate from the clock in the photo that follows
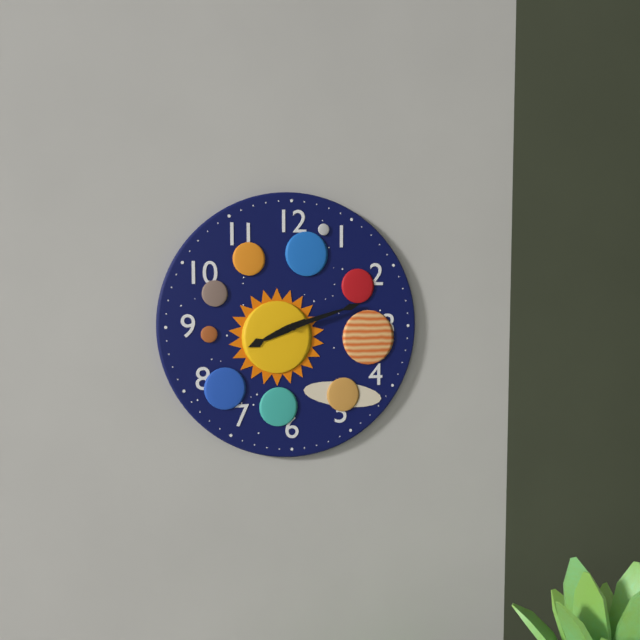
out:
{"hour": 8, "minute": 12}
